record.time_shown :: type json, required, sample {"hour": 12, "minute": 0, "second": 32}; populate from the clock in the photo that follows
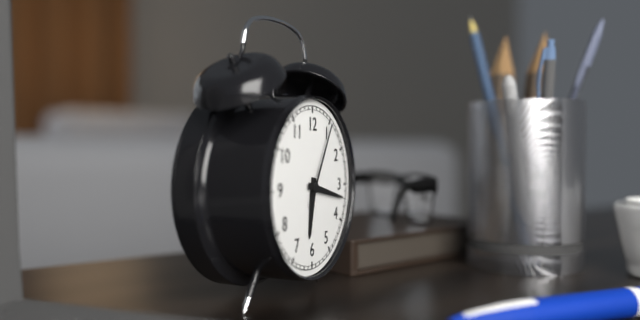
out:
{"hour": 6, "minute": 17, "second": 5}
